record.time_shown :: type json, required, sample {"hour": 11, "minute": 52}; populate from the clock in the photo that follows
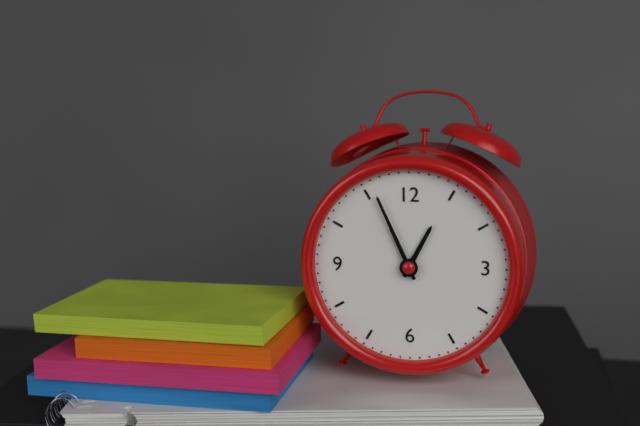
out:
{"hour": 12, "minute": 56}
